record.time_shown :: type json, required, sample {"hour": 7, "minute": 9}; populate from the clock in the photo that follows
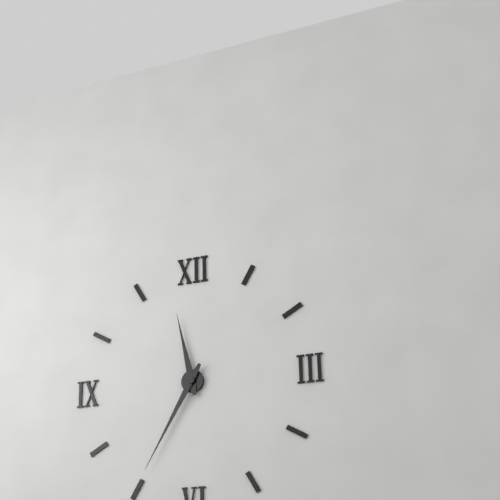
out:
{"hour": 11, "minute": 35}
